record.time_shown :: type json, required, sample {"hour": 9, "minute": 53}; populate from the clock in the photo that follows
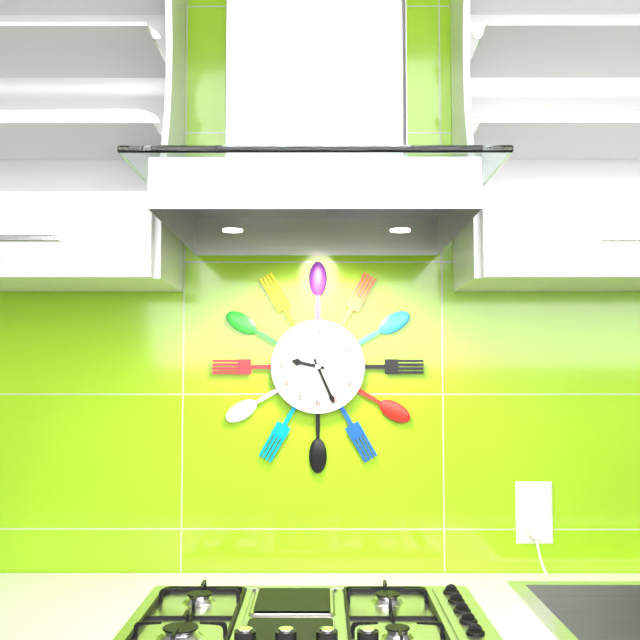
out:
{"hour": 9, "minute": 26}
